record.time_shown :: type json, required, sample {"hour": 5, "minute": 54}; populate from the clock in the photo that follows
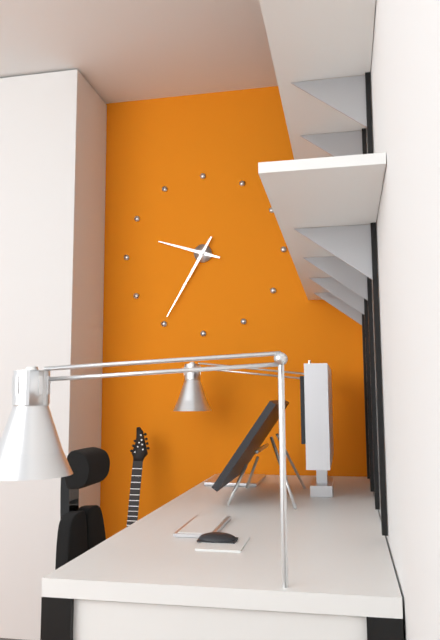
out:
{"hour": 9, "minute": 35}
